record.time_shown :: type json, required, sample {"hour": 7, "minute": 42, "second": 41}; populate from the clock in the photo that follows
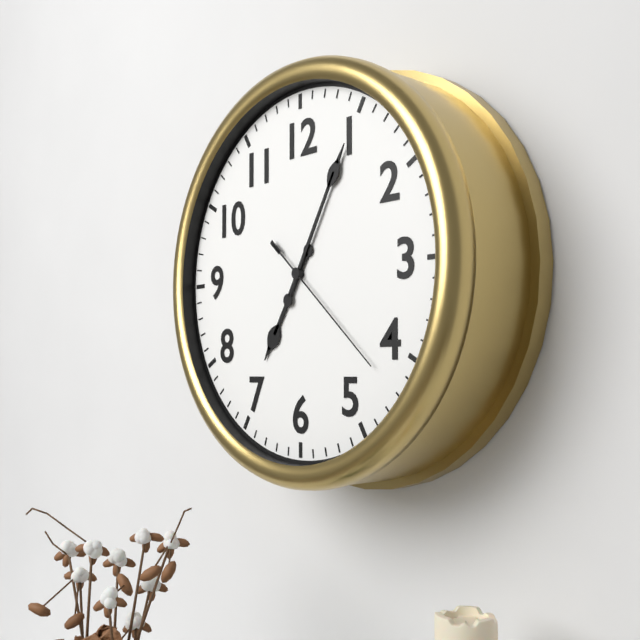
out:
{"hour": 7, "minute": 5, "second": 22}
